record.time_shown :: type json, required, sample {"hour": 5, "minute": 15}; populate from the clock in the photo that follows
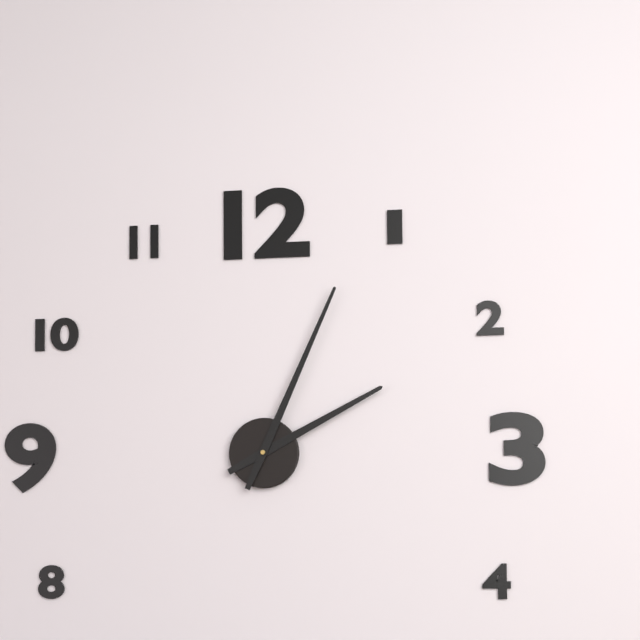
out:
{"hour": 2, "minute": 4}
